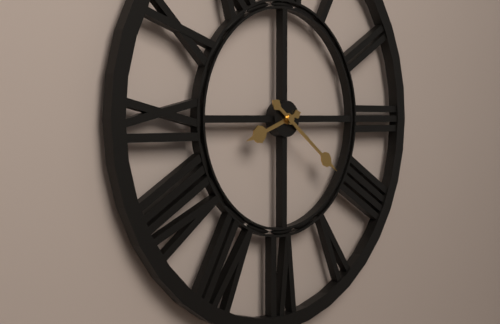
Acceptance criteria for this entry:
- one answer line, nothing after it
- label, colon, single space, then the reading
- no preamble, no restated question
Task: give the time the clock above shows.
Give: 8:21
